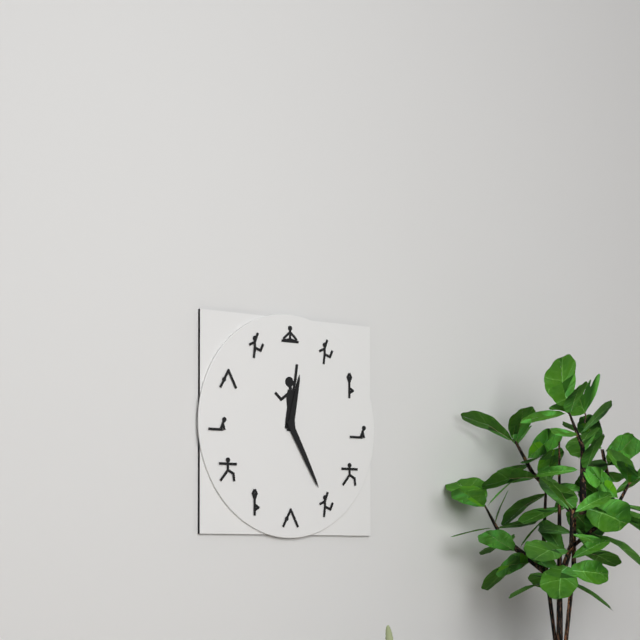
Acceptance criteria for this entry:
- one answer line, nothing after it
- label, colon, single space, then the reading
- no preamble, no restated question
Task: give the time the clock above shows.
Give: 12:25
